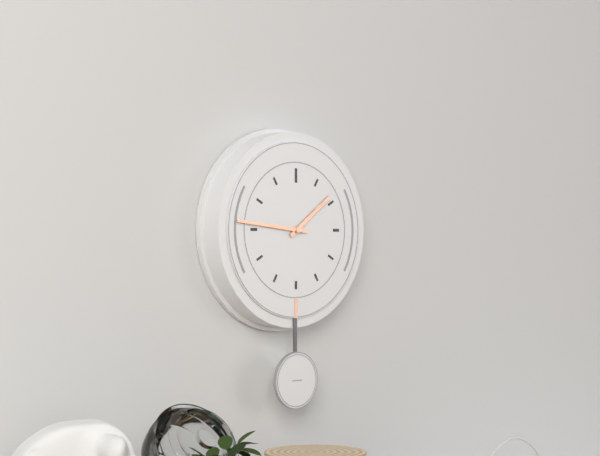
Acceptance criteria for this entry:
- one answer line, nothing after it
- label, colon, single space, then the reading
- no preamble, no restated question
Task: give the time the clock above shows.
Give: 1:46
